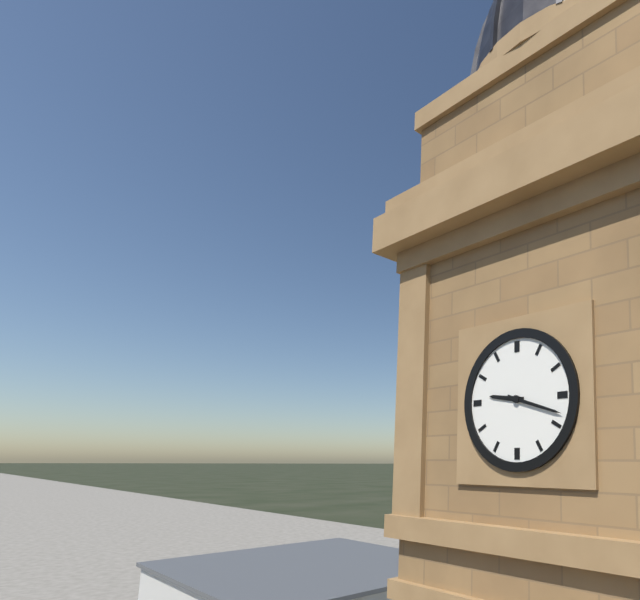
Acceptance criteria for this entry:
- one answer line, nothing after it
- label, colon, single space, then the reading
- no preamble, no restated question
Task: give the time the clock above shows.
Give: 9:18
